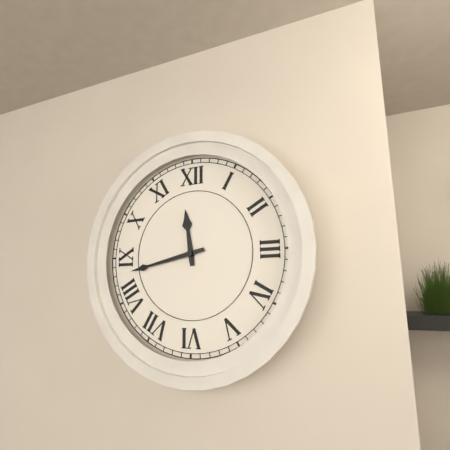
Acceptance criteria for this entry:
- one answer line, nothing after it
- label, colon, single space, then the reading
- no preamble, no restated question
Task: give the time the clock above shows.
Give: 11:43
